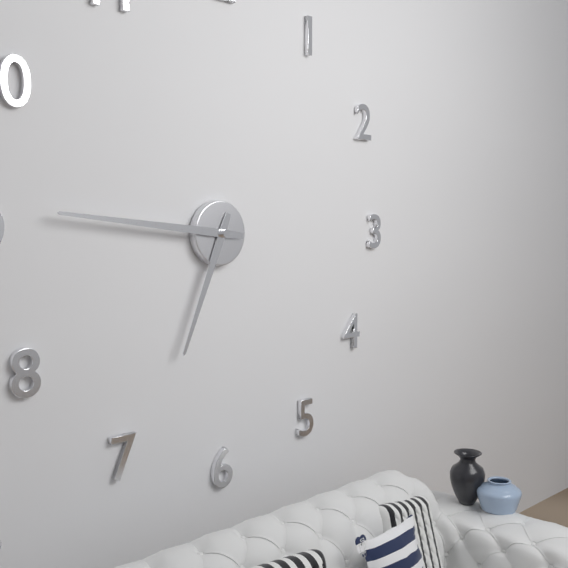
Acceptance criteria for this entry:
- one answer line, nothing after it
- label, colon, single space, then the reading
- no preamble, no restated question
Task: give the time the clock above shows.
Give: 6:46
